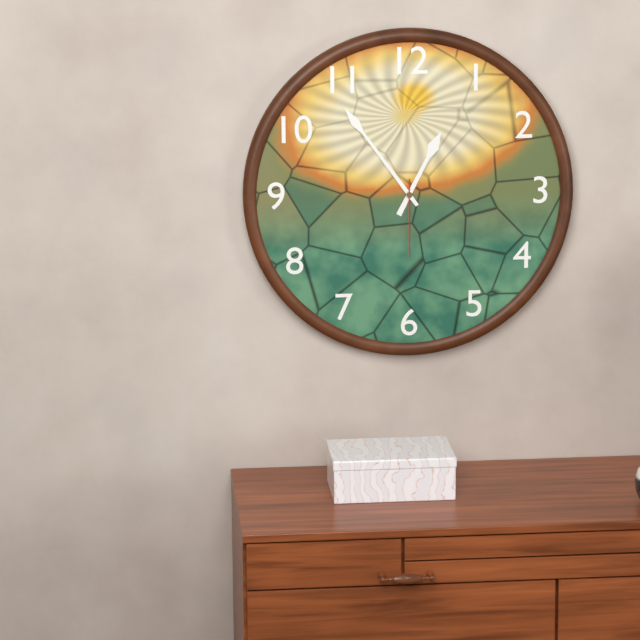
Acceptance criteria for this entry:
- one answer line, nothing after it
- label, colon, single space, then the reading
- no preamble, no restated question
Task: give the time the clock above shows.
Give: 12:54:30
